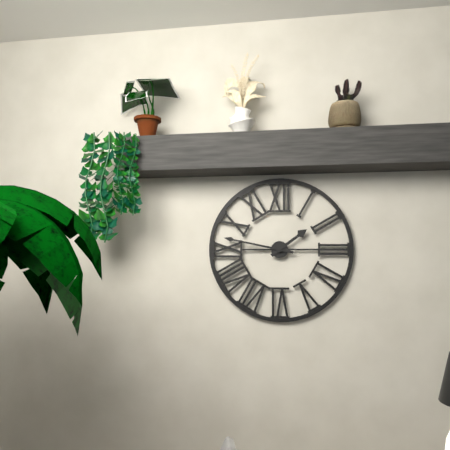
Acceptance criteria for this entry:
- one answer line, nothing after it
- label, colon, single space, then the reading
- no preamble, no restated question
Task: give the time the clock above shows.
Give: 1:47
